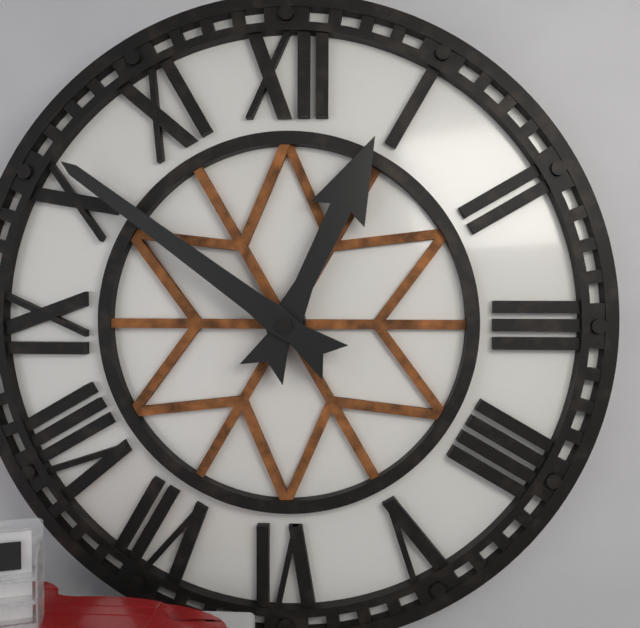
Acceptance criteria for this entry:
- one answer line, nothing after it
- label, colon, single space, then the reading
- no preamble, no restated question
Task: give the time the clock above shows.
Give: 12:51
